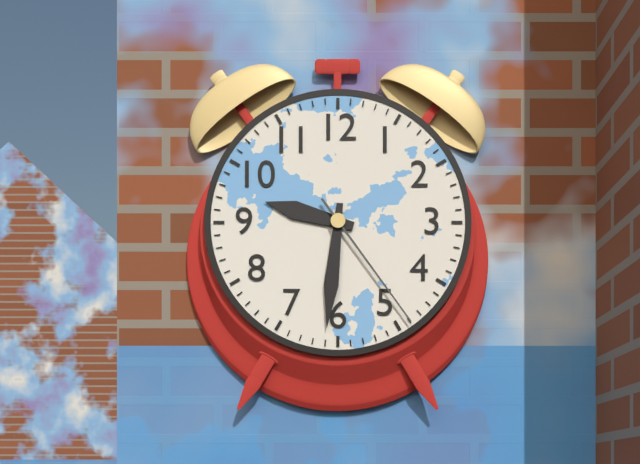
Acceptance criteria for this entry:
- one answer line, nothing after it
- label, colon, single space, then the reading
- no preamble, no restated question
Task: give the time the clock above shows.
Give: 9:31:24
